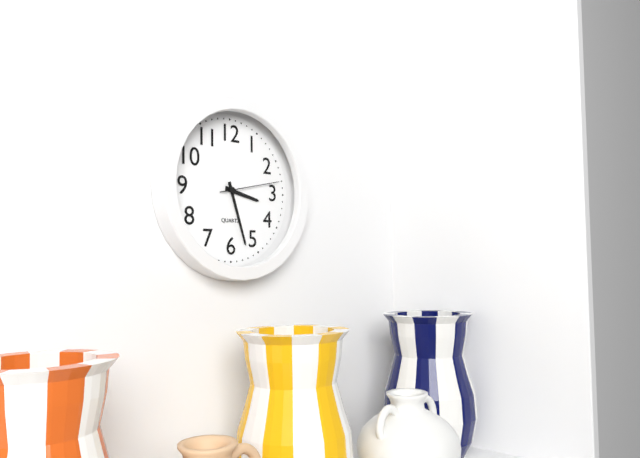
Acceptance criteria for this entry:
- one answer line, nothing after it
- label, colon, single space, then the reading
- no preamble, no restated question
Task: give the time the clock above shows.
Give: 3:27:13
